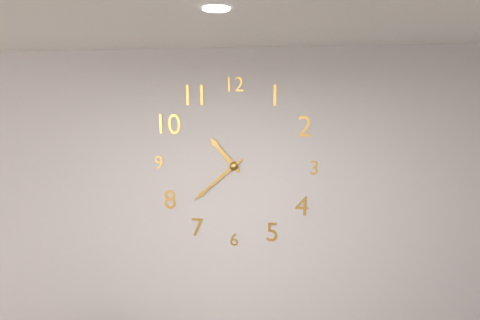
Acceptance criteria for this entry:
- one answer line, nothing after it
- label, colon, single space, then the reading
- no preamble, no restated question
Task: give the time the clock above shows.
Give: 10:38
